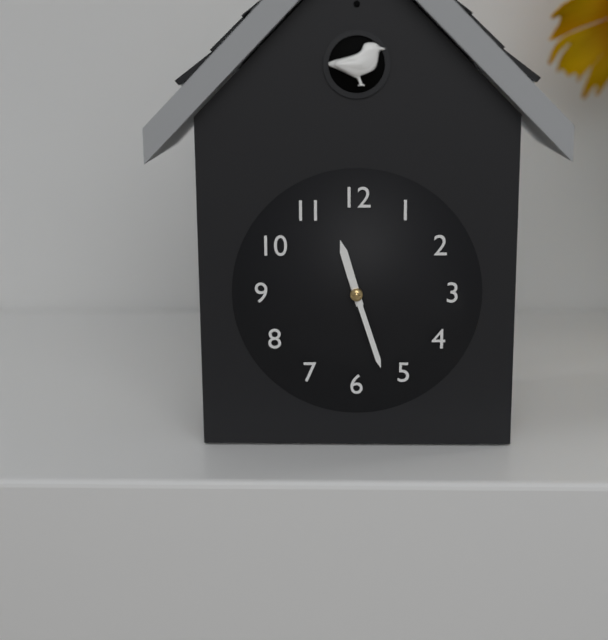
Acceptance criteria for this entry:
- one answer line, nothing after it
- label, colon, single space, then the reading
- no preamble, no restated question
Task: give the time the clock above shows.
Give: 11:27
